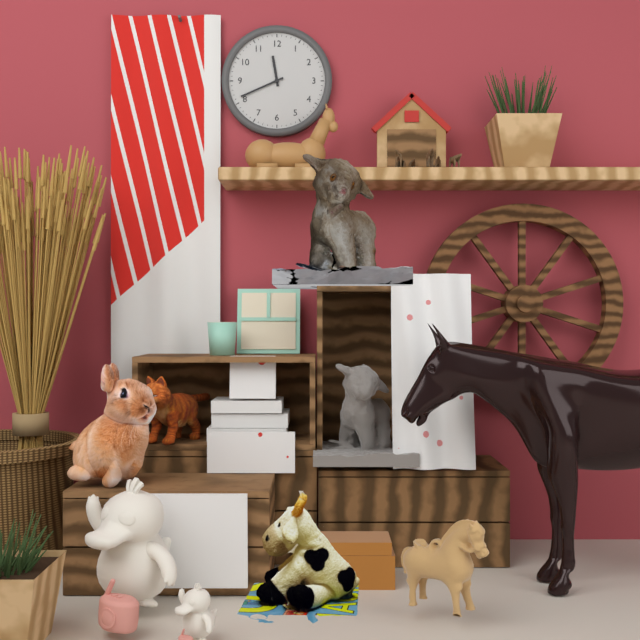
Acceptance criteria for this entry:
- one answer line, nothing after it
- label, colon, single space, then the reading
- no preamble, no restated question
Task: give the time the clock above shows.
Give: 11:41
